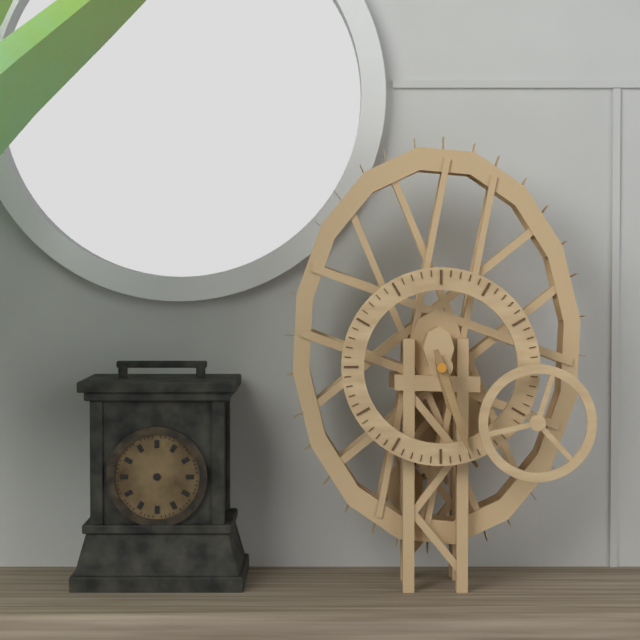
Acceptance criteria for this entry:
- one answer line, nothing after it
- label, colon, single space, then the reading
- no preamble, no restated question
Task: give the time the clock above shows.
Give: 5:27
